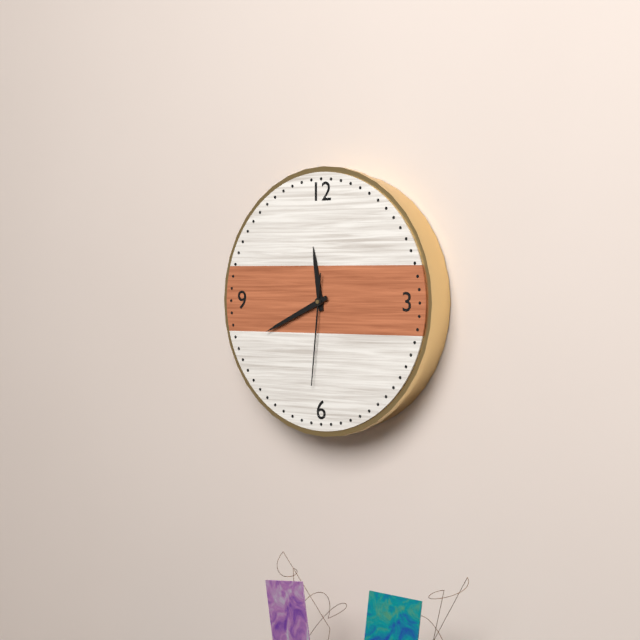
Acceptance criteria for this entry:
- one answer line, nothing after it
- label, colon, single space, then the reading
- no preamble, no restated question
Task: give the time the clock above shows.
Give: 11:41:31
